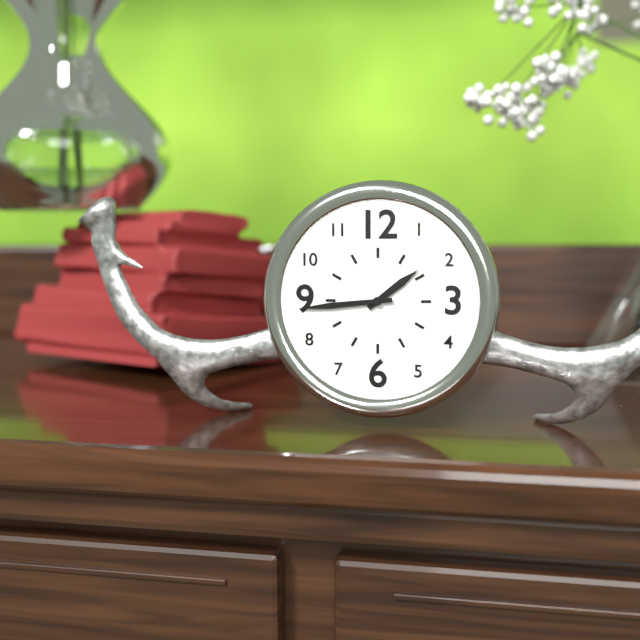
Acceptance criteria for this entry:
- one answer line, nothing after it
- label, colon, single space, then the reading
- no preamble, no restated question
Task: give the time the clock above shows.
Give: 1:44
